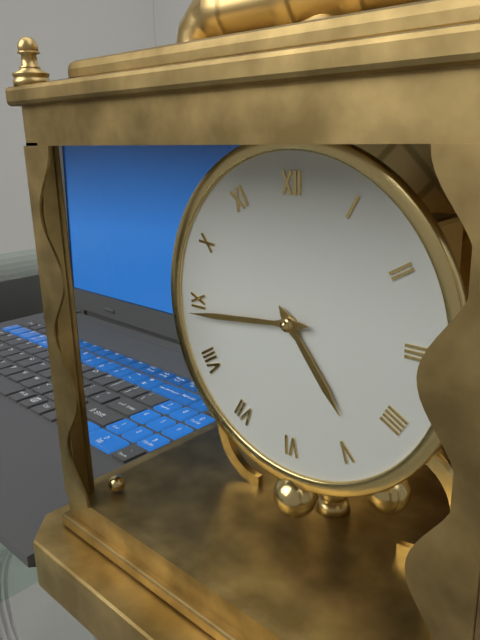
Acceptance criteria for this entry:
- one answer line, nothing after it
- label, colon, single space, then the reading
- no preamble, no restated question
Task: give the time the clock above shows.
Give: 4:44
